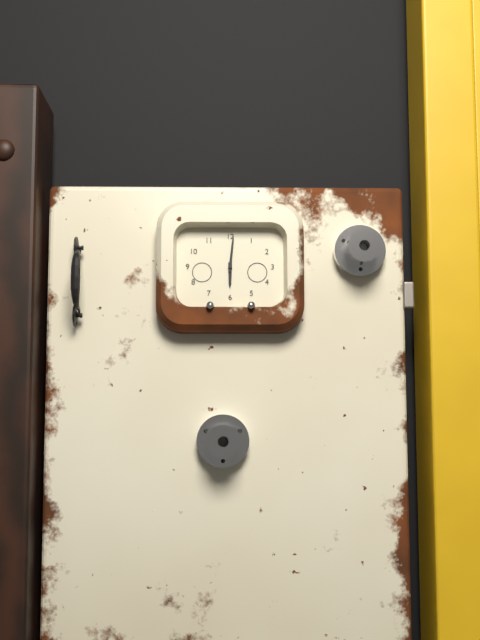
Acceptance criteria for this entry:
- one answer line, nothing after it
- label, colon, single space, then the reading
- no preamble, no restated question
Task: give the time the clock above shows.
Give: 6:01
